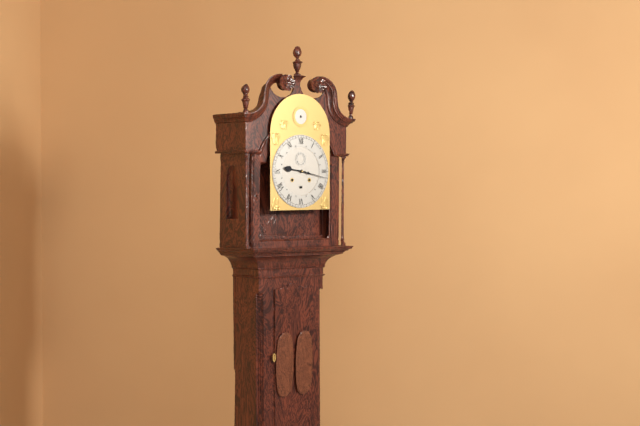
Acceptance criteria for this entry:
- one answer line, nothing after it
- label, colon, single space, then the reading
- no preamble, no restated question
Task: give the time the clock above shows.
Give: 9:17
